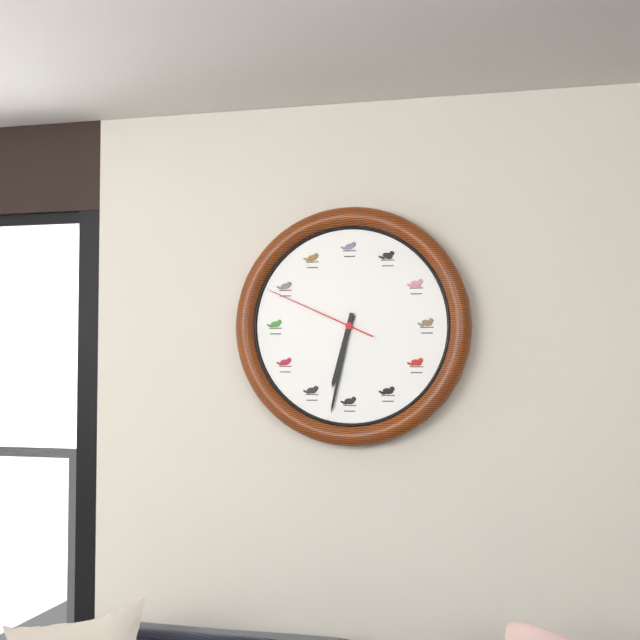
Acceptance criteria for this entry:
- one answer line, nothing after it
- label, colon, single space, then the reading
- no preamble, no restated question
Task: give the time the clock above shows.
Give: 6:32:49
